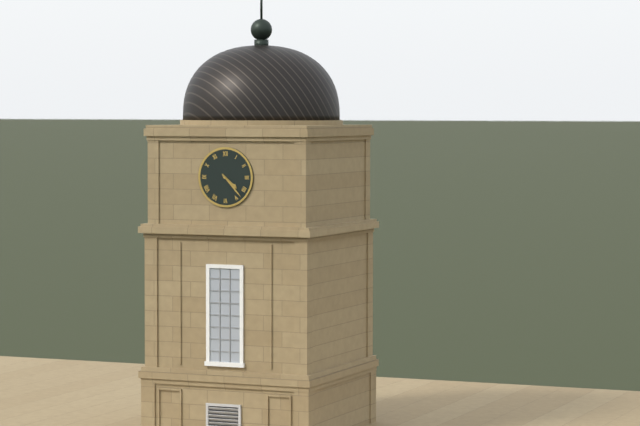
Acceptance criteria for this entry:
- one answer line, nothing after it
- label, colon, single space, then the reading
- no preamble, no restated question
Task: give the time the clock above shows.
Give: 4:23
